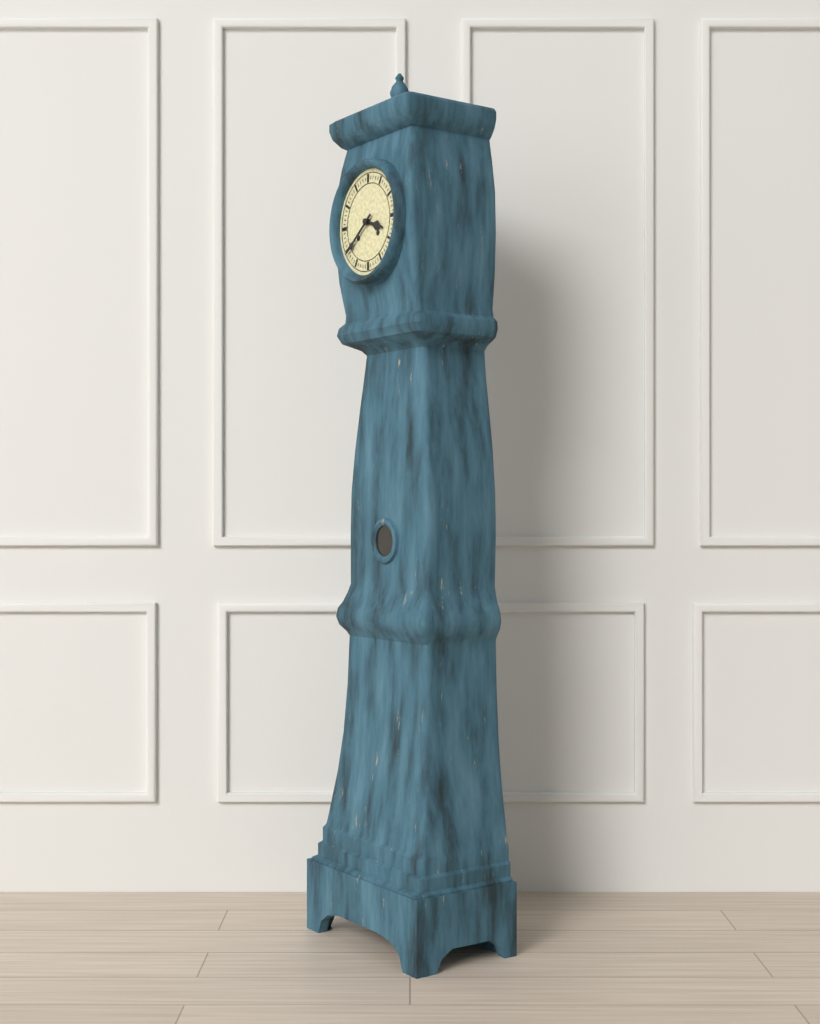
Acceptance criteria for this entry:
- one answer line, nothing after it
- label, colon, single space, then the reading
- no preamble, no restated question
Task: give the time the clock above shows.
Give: 3:39
